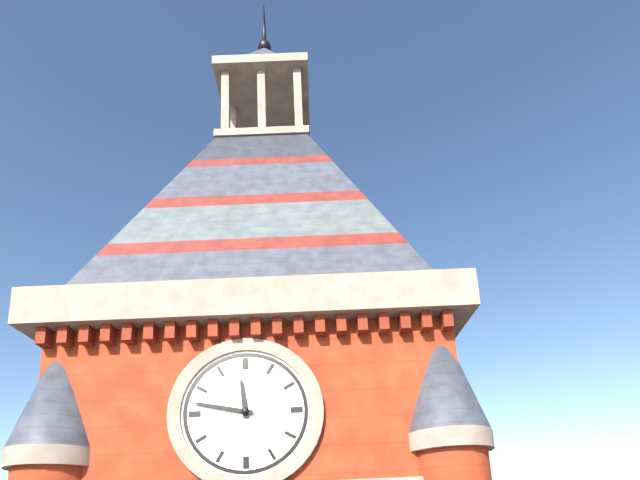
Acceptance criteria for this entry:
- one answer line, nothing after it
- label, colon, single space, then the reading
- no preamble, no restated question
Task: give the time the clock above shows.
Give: 11:47
